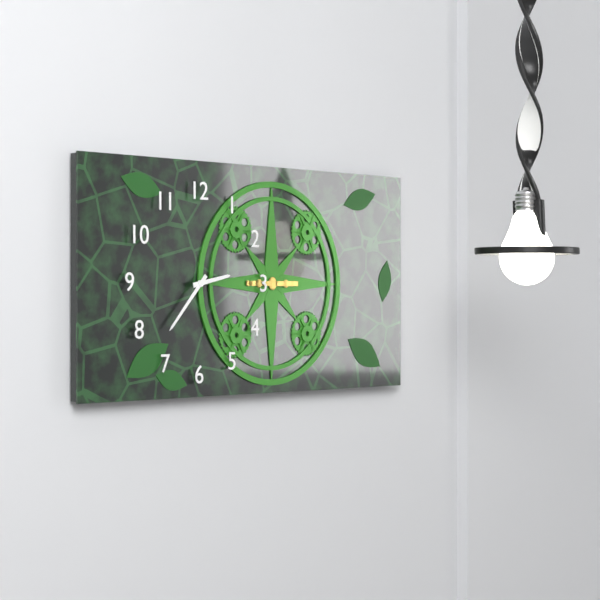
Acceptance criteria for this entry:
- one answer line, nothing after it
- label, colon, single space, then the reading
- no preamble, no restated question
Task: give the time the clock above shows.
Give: 2:37
